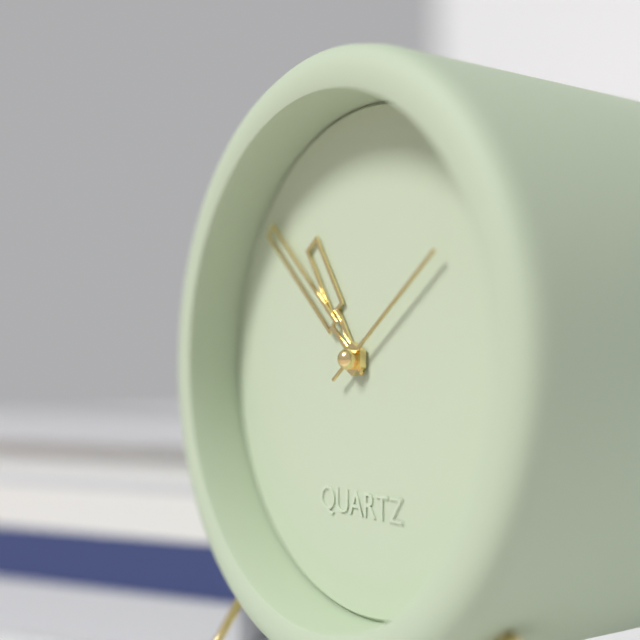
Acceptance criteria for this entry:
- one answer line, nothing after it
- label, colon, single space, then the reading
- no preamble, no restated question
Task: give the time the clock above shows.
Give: 10:52:09
